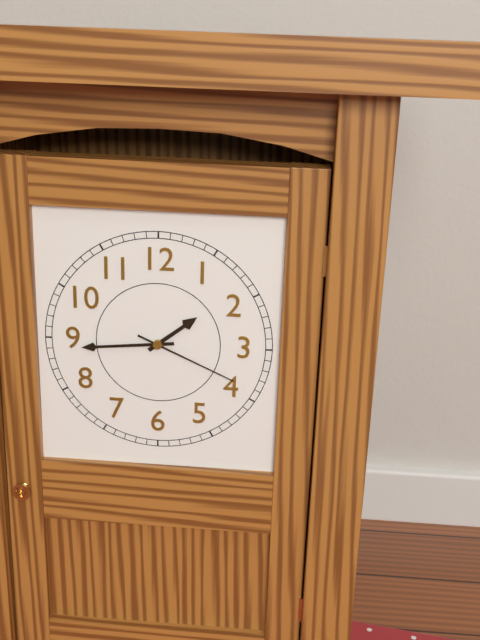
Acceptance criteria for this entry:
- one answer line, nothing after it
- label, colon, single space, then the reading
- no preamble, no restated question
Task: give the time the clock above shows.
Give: 1:44:19
